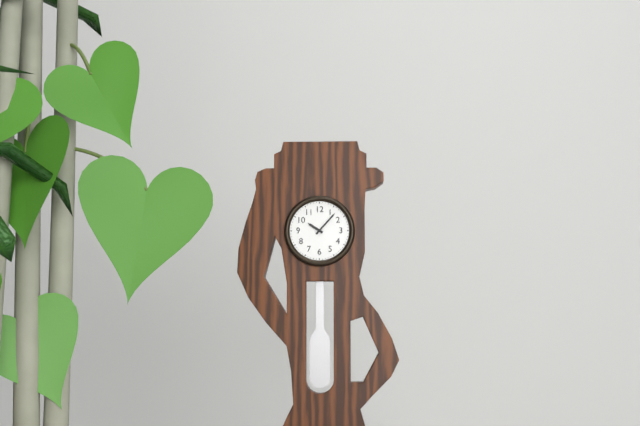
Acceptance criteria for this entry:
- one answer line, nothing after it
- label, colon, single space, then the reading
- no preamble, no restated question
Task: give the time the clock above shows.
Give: 10:07
